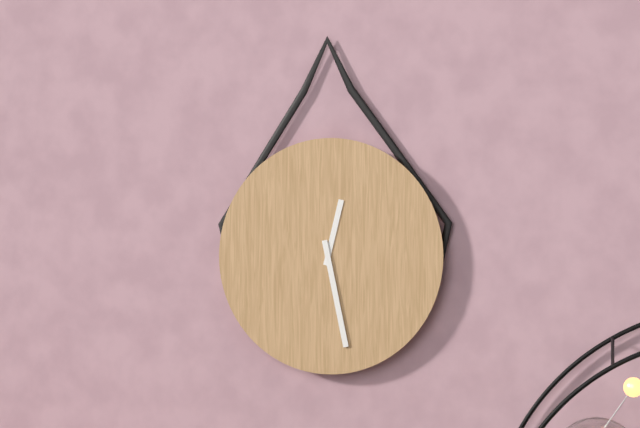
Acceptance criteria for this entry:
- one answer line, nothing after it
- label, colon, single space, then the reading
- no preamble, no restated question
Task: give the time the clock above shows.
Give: 12:28
